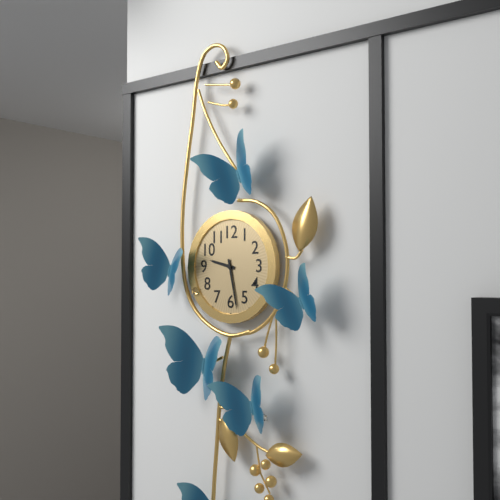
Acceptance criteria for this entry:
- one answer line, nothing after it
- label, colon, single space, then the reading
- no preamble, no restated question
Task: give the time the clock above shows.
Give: 9:28
